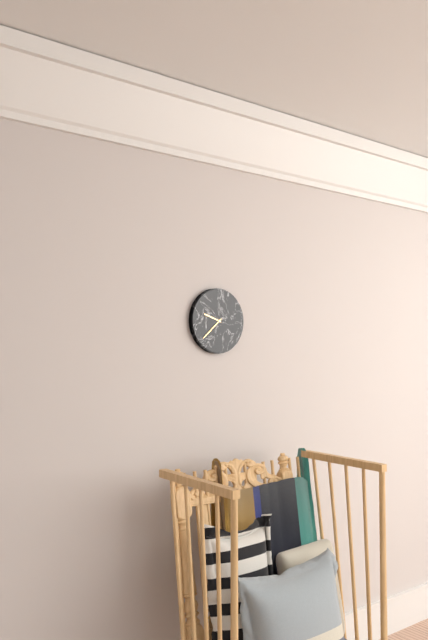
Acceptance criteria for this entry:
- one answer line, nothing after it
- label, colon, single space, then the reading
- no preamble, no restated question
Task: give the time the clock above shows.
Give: 9:38
